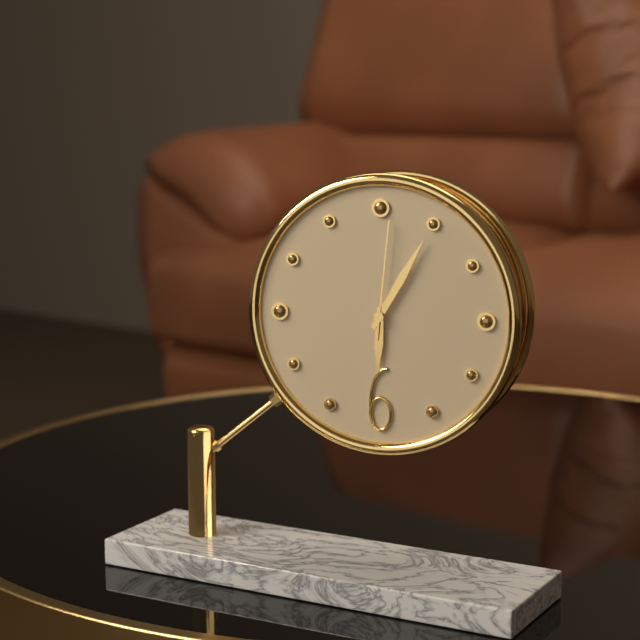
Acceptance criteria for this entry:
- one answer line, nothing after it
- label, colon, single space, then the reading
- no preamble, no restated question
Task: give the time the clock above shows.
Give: 6:05:01
